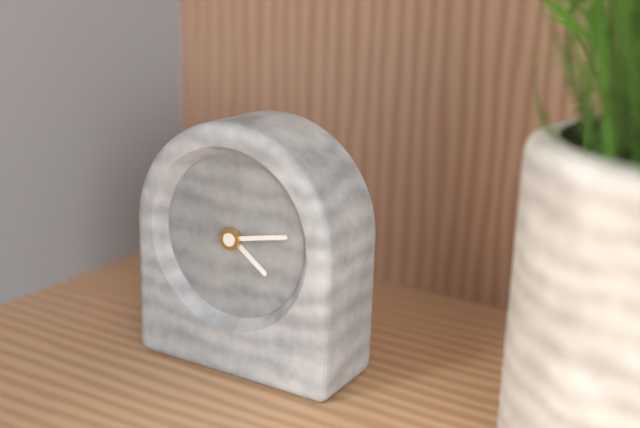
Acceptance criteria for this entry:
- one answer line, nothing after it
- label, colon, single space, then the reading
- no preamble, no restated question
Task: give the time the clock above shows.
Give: 4:13
